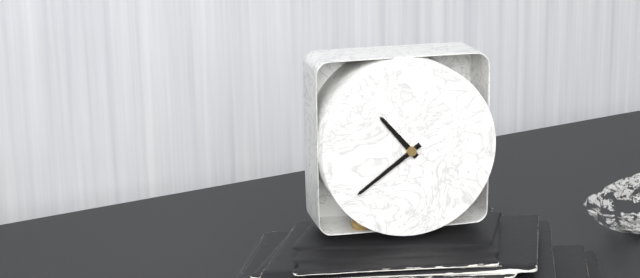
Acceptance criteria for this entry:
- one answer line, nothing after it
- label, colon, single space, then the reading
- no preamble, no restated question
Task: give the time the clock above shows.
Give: 10:39
